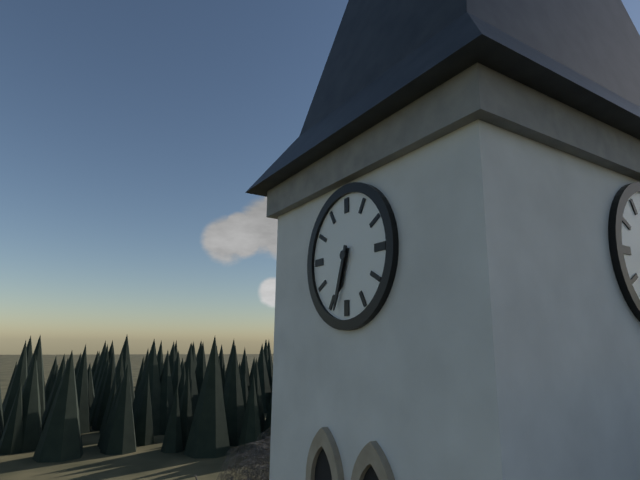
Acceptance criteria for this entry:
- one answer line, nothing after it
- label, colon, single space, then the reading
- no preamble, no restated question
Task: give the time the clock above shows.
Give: 6:33
